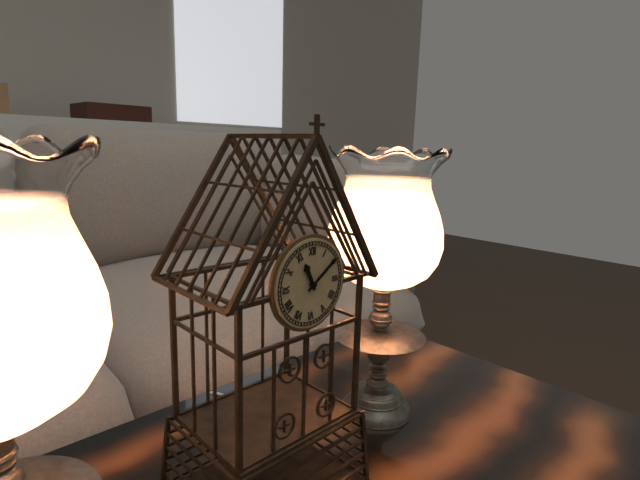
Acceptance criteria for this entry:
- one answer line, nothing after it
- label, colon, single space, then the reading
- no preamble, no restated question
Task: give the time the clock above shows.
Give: 11:09
